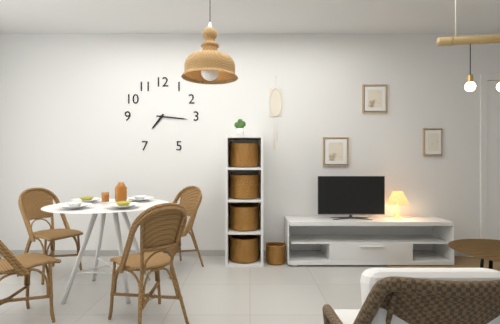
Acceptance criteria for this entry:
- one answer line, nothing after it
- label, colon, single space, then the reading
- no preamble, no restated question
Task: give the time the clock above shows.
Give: 7:16
